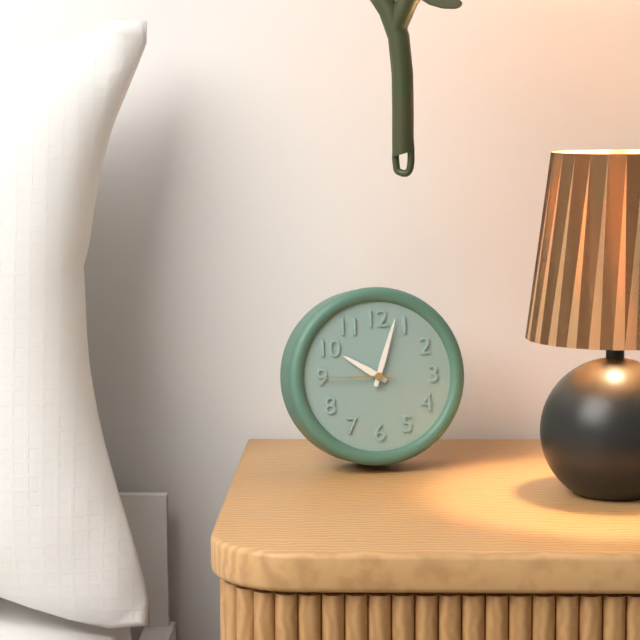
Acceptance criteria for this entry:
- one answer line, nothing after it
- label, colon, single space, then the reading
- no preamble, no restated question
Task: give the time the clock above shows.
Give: 10:03:45
